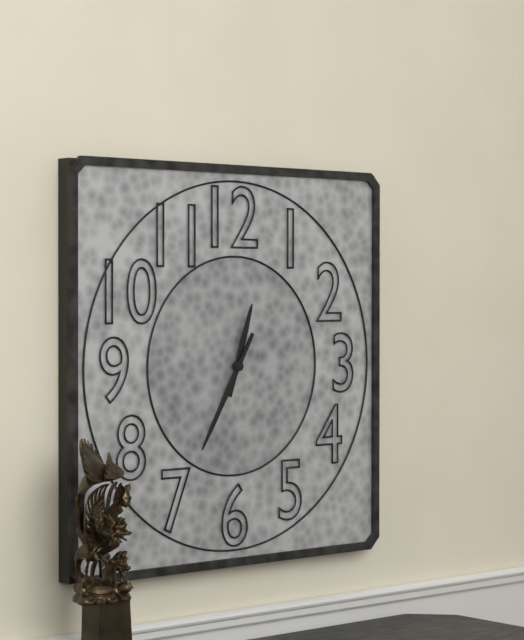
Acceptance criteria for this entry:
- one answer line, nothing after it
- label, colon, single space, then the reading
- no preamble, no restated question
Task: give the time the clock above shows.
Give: 12:35
